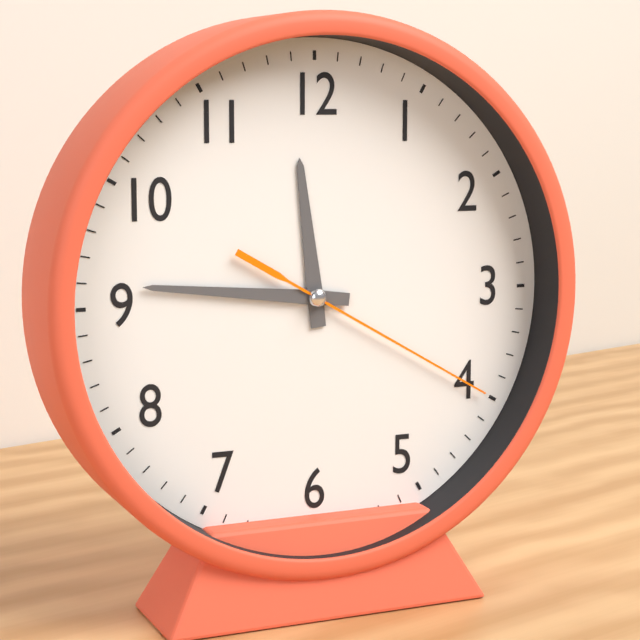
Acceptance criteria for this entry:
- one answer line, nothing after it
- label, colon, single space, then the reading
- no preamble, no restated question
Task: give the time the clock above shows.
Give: 11:46:20
